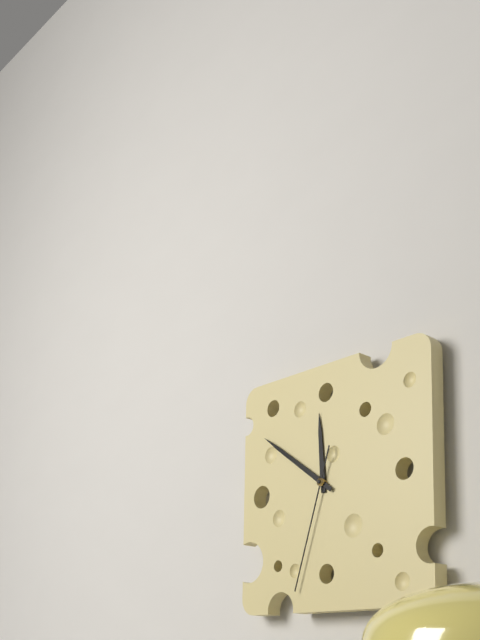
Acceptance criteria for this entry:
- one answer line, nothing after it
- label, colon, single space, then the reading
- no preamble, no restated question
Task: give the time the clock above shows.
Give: 11:51:33
